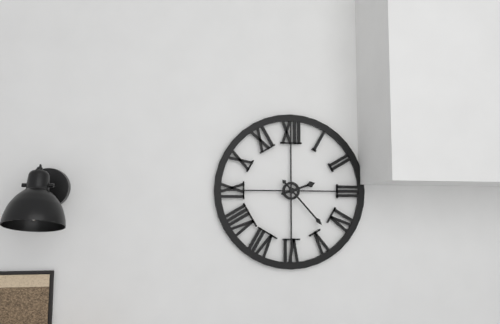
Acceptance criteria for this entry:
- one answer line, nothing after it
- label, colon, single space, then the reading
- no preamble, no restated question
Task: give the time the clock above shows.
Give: 2:23
